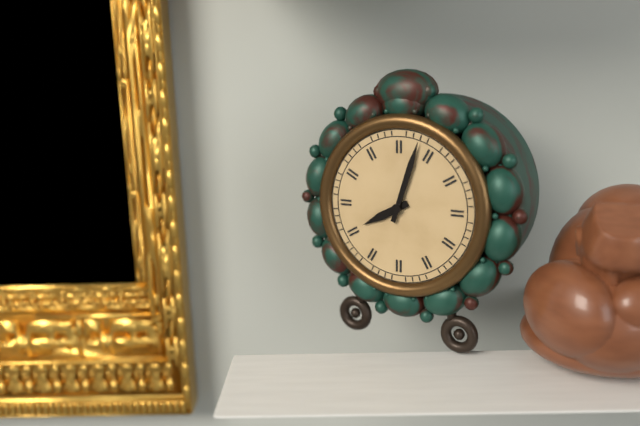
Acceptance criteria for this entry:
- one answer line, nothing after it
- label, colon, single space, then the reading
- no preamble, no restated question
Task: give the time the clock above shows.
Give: 8:03
